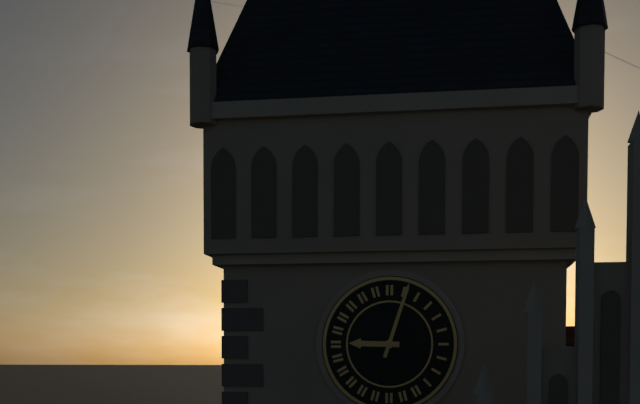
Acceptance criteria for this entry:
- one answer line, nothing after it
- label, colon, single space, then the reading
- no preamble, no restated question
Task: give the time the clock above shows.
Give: 9:03
